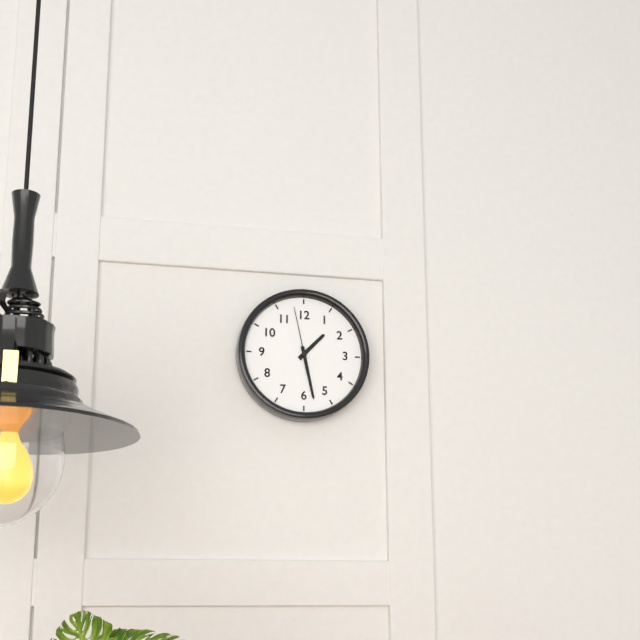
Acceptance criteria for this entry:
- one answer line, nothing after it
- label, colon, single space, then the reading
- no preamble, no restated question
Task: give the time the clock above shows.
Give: 1:28:58
